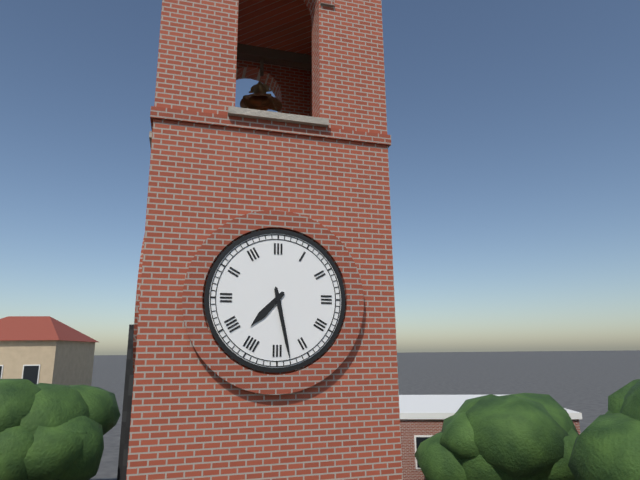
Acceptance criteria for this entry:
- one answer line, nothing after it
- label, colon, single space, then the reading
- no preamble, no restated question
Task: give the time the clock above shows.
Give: 7:28
